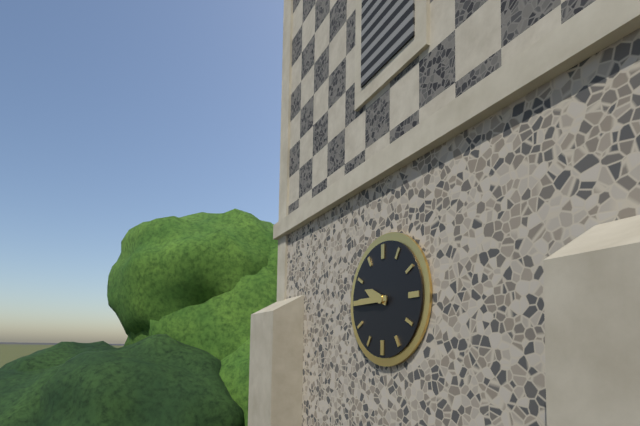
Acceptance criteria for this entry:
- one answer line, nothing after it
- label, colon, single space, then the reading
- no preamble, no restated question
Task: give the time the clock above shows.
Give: 9:45
